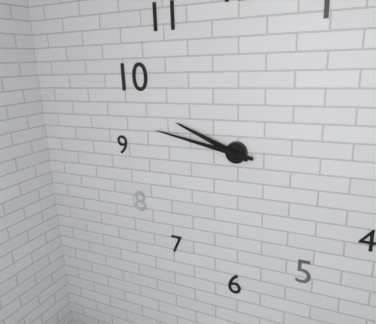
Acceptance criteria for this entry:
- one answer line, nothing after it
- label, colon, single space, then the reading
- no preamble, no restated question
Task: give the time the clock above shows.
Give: 9:47
